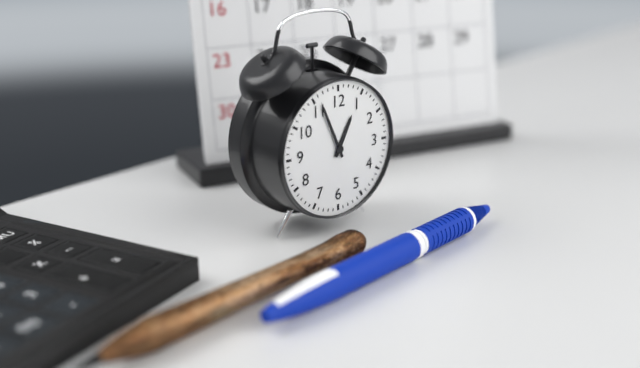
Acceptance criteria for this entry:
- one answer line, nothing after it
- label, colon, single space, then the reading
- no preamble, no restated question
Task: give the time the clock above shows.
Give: 12:56
